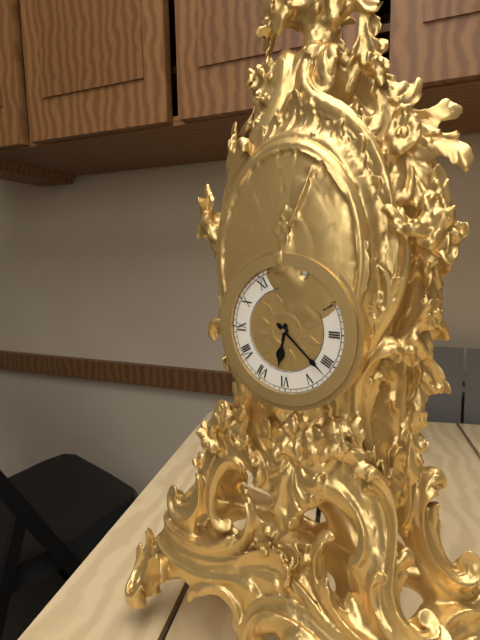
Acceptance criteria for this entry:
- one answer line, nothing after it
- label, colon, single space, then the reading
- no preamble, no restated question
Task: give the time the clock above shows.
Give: 6:22
